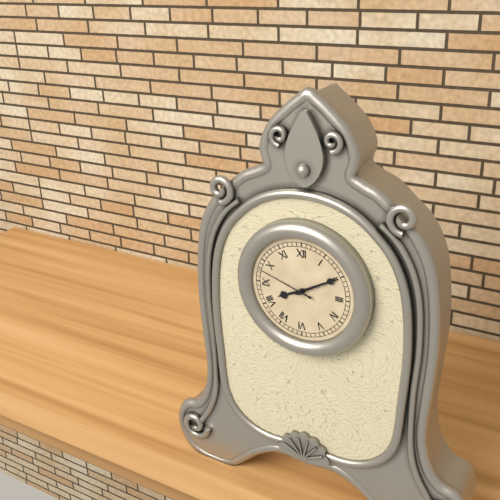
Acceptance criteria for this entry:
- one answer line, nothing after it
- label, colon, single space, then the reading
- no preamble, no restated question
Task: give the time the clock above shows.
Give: 8:10:48
